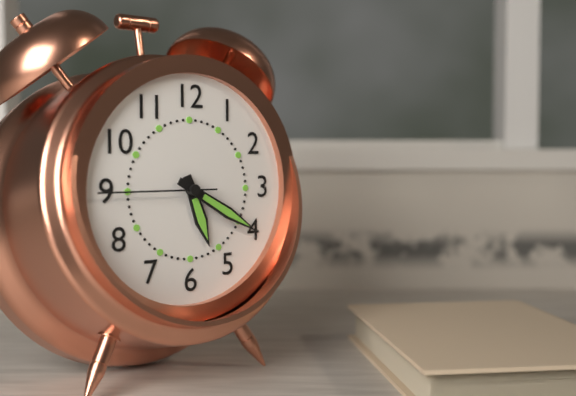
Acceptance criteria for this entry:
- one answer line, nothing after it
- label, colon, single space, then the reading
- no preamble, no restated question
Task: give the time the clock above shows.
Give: 5:20:45
